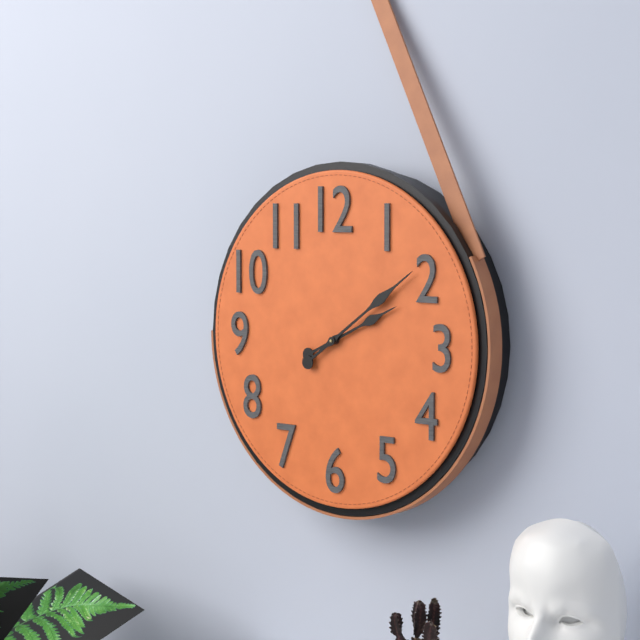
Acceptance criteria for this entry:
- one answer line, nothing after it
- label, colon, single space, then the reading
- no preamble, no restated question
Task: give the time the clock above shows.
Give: 2:09
